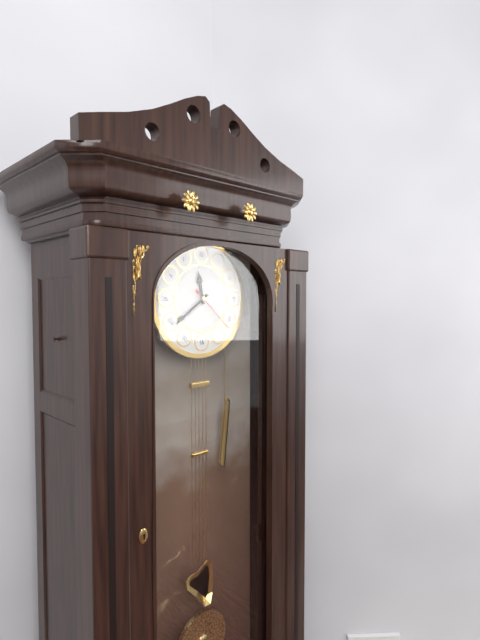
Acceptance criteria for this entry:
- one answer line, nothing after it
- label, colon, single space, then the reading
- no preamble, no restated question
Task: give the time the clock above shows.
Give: 11:39
